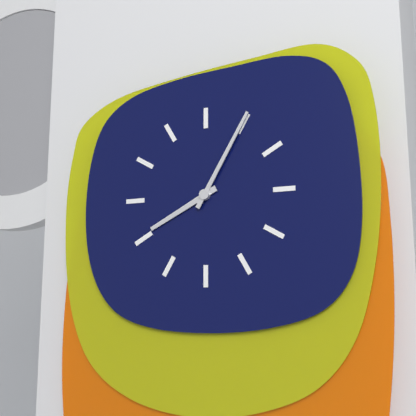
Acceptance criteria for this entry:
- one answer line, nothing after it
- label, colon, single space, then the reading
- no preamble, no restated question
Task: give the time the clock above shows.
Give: 8:05
